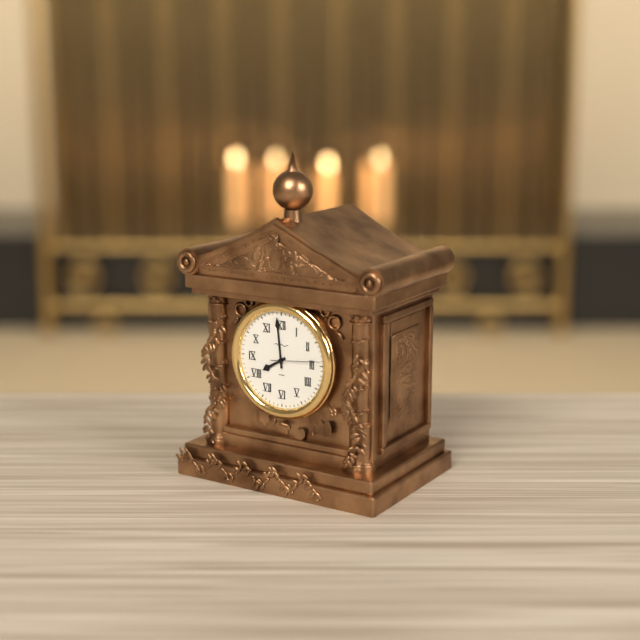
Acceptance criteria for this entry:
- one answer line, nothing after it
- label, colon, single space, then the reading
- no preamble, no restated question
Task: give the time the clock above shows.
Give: 7:59
